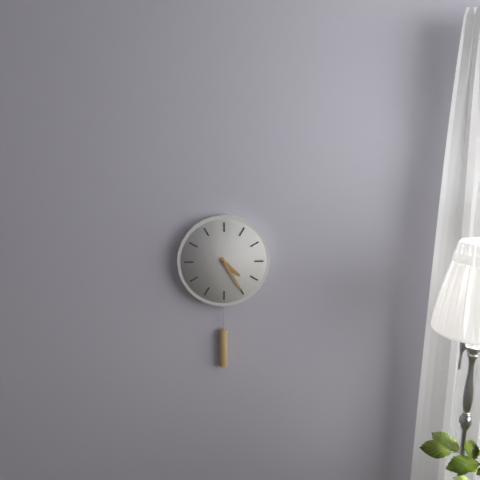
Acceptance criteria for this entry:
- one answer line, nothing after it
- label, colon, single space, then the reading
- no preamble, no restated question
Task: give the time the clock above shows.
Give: 4:25
